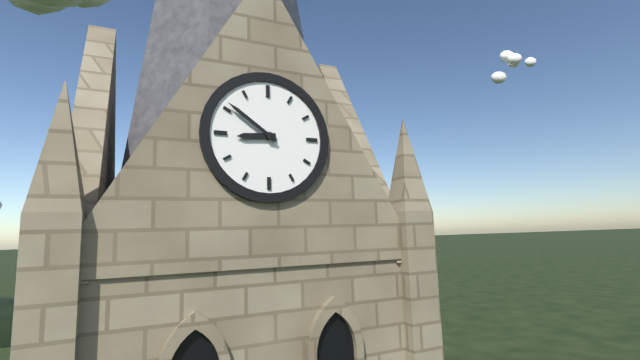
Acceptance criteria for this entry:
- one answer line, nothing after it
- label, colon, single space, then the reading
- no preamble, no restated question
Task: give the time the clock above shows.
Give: 8:51
